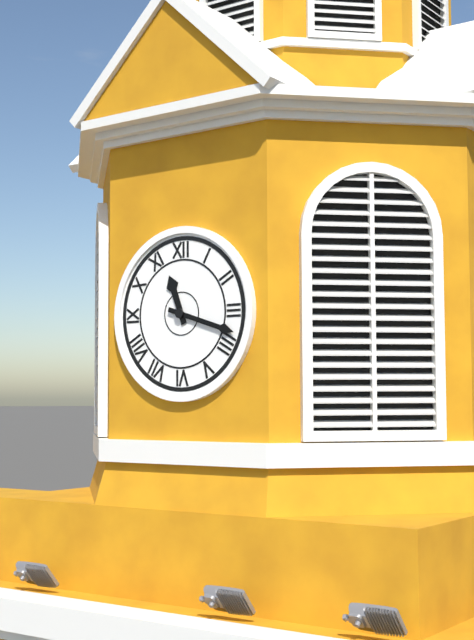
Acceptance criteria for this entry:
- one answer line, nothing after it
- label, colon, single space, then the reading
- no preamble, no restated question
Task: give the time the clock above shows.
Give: 11:18
